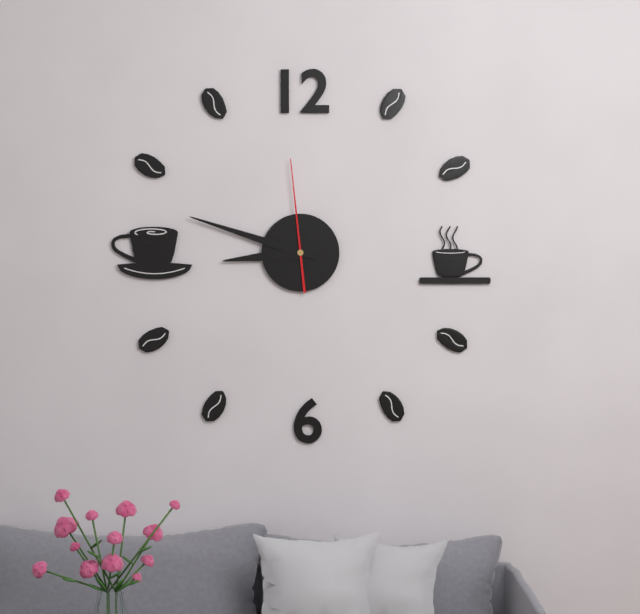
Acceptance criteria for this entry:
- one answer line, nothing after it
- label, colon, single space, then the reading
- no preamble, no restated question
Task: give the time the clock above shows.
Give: 8:48:59
